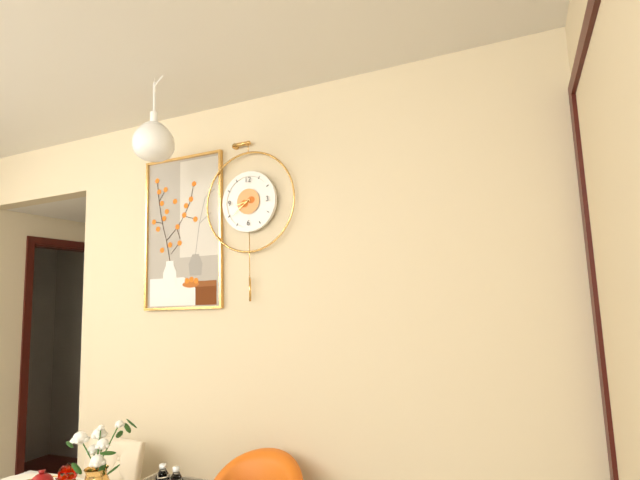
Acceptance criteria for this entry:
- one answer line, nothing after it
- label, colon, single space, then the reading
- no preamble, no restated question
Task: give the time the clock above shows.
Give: 8:39
